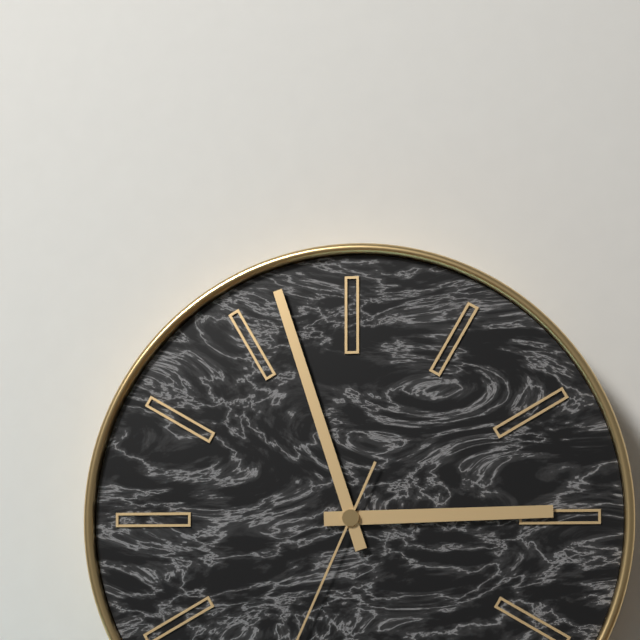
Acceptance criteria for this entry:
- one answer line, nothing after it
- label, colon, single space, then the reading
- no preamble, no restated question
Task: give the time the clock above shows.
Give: 2:57
